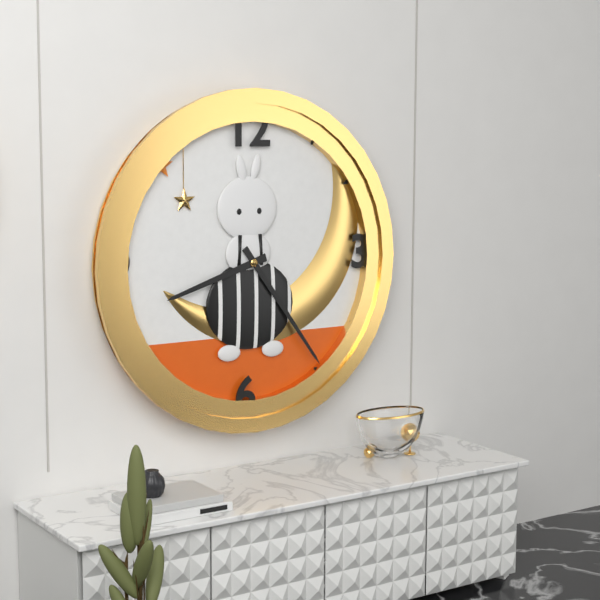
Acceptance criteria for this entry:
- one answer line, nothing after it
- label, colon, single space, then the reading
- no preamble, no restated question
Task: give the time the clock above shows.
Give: 8:24
